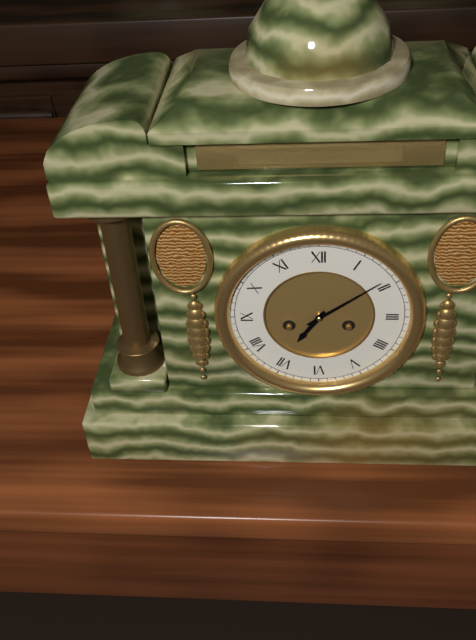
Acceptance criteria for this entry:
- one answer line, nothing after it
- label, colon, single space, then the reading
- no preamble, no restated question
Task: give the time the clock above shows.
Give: 7:09
